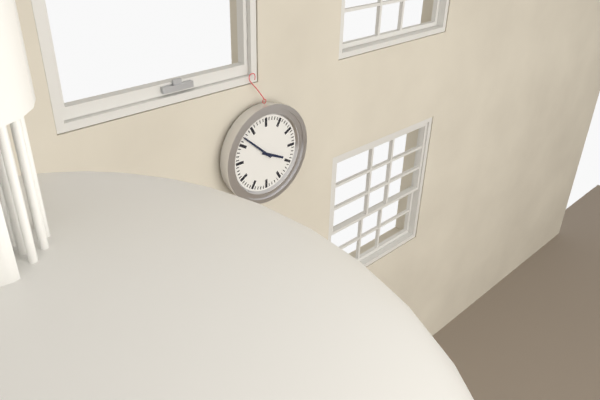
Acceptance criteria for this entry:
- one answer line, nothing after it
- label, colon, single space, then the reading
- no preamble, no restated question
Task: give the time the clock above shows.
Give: 3:52
